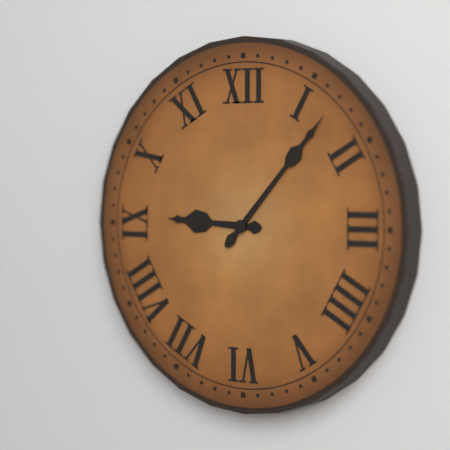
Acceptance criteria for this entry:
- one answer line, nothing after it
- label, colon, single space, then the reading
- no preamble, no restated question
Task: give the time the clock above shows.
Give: 9:07
